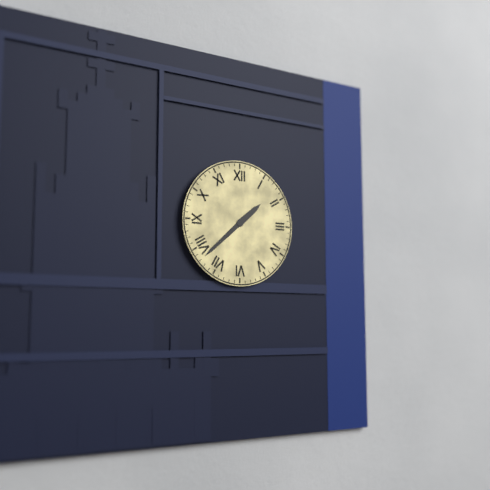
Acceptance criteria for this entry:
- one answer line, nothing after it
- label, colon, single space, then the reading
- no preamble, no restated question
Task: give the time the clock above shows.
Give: 1:38
